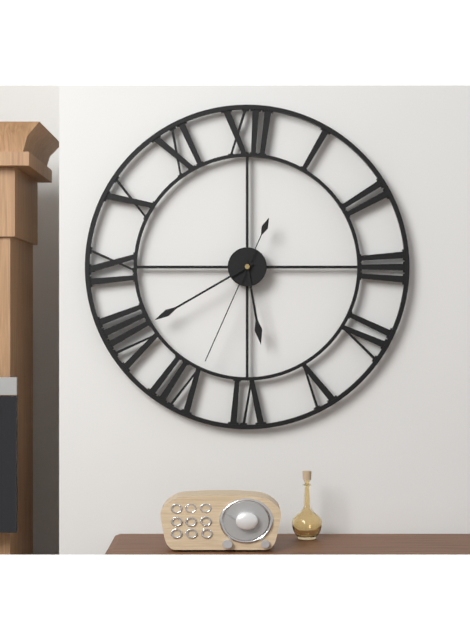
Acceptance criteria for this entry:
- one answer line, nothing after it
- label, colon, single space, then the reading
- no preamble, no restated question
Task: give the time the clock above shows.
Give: 5:40:34
